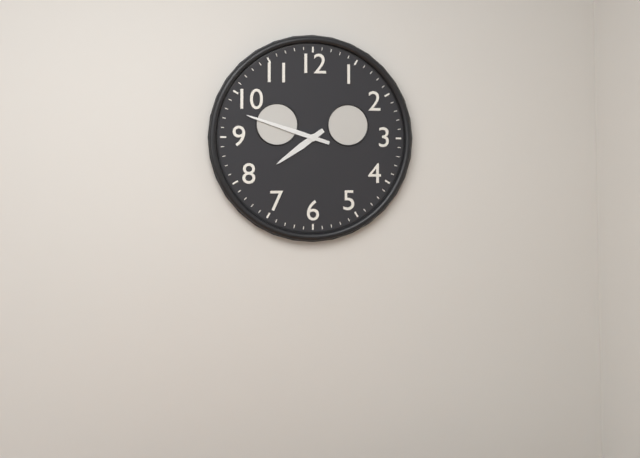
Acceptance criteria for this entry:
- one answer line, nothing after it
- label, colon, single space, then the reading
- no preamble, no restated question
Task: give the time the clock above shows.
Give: 7:48
